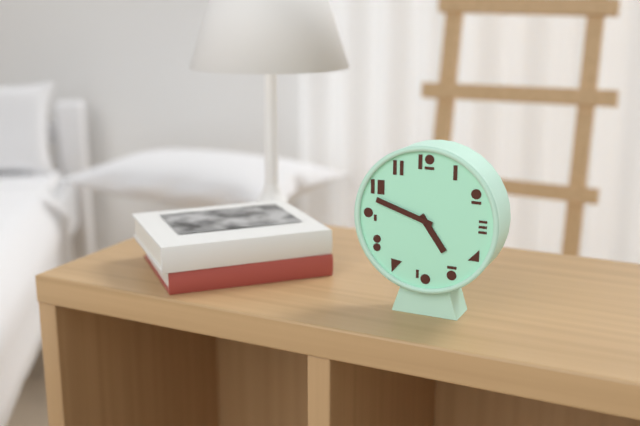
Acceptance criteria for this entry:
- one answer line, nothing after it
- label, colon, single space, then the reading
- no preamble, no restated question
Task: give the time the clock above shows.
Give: 4:48
